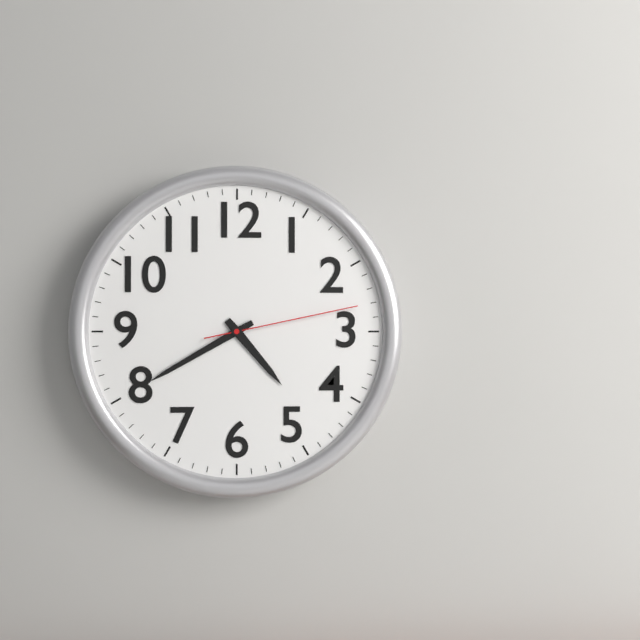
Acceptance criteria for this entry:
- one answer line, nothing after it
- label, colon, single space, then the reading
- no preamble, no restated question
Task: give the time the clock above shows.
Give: 4:40:13
